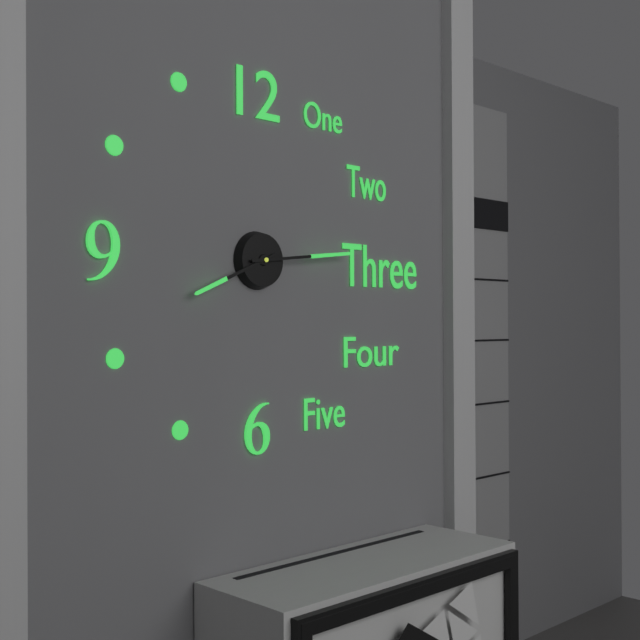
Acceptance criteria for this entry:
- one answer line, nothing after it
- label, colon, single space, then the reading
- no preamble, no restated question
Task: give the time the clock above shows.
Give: 8:14
